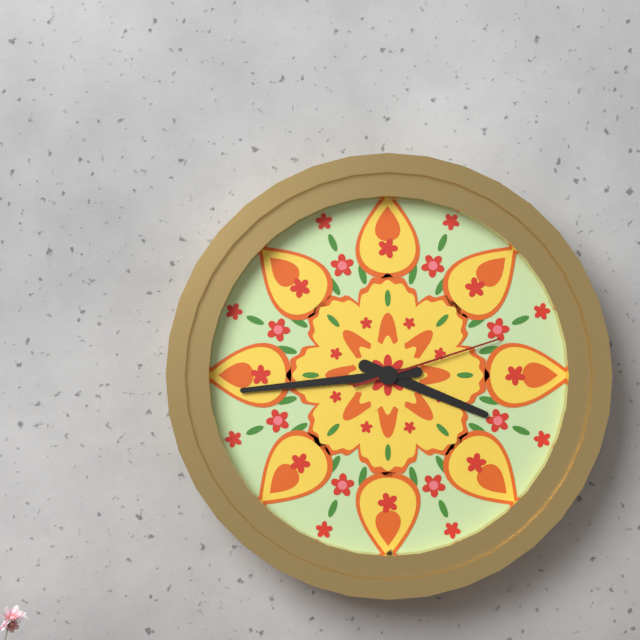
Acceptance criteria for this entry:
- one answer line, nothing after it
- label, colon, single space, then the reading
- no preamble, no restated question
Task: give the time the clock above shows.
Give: 3:44:12
